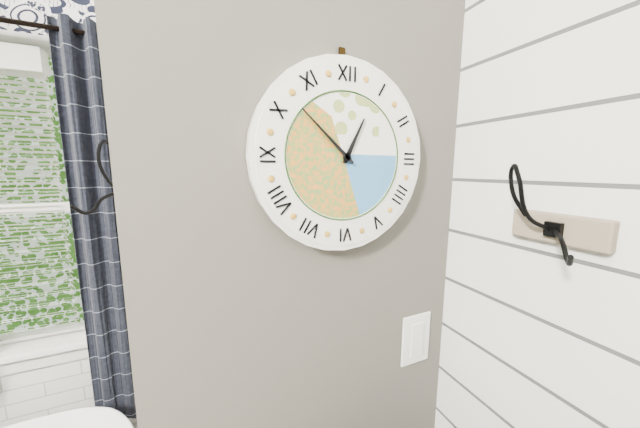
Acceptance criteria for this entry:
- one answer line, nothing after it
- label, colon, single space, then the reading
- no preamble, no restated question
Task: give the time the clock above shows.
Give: 12:52
